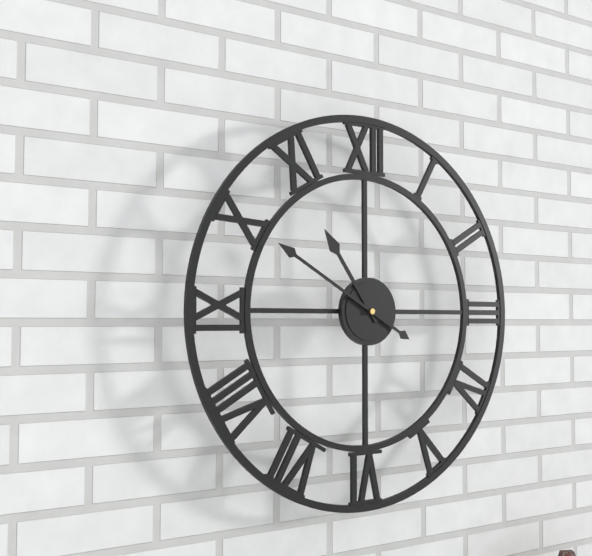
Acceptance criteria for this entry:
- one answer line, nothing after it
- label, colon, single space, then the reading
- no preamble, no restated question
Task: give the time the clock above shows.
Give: 10:50
